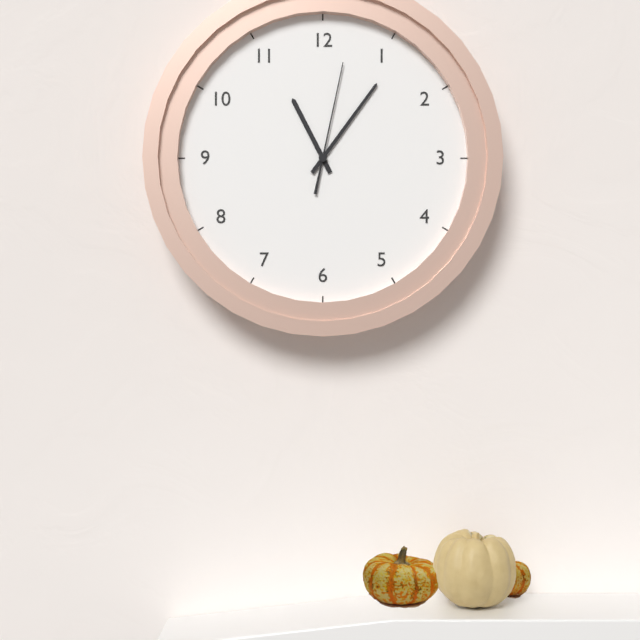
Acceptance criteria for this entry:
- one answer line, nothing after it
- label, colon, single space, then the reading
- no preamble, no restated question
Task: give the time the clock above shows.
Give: 11:06:02
